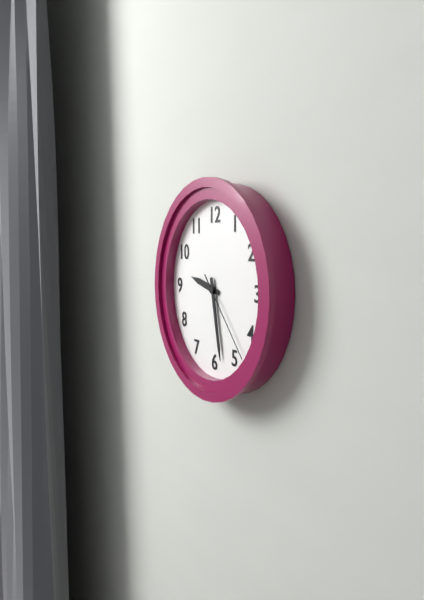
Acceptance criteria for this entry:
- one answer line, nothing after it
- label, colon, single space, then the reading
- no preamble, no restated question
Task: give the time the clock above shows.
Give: 9:28:23
